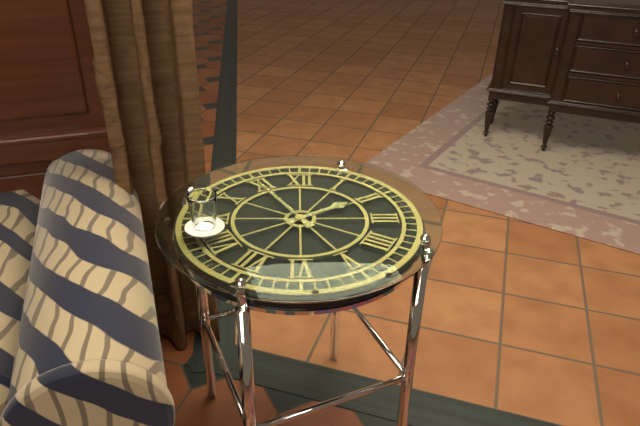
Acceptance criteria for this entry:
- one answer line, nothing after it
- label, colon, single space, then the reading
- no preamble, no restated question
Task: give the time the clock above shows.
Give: 1:55
